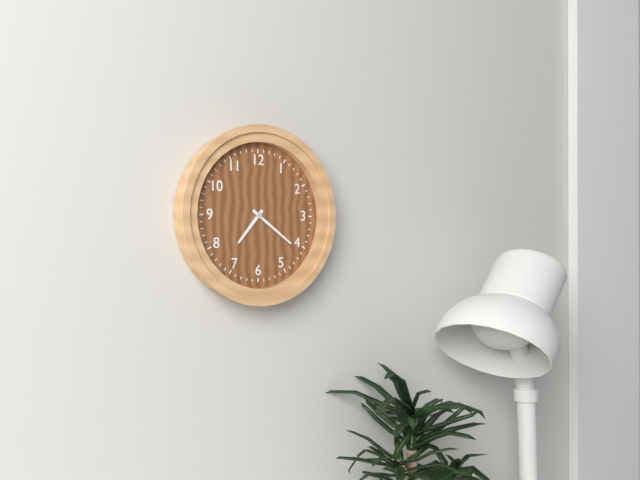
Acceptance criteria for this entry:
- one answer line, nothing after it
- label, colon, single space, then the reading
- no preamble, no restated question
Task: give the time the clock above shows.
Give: 7:21
